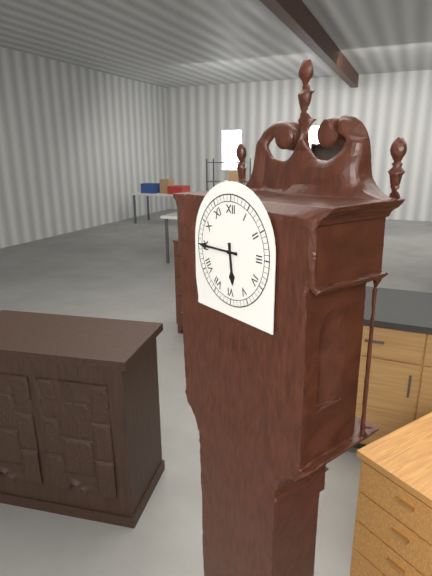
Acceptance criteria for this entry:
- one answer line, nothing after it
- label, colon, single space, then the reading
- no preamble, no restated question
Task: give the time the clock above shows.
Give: 5:45
